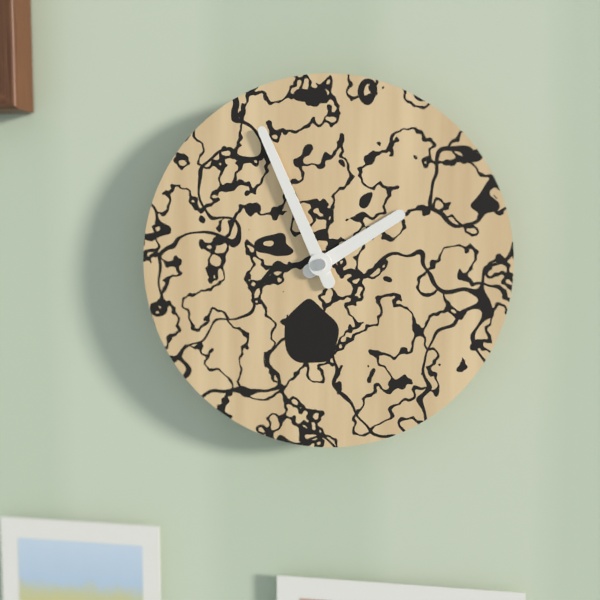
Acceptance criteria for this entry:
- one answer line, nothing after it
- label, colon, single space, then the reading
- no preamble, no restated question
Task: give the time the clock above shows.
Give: 1:56
